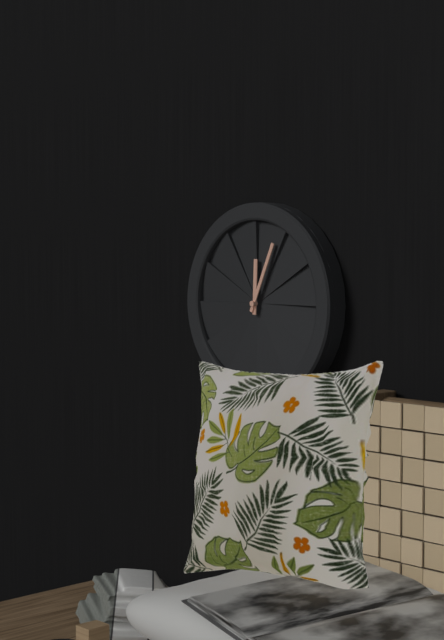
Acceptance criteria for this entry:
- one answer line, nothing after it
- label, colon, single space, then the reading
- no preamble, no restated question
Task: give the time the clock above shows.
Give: 12:04
